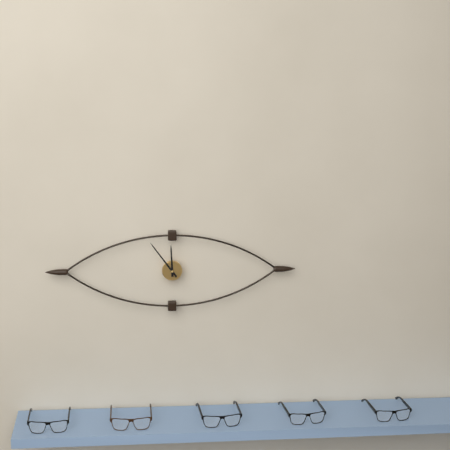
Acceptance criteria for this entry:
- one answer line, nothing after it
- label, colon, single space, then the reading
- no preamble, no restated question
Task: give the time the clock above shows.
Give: 11:54
